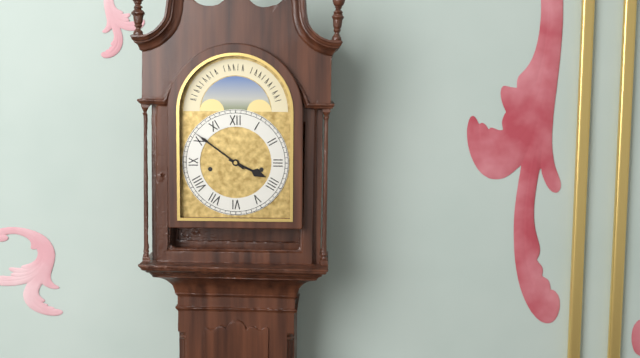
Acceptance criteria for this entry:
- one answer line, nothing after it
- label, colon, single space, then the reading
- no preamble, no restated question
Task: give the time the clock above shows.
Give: 3:51
